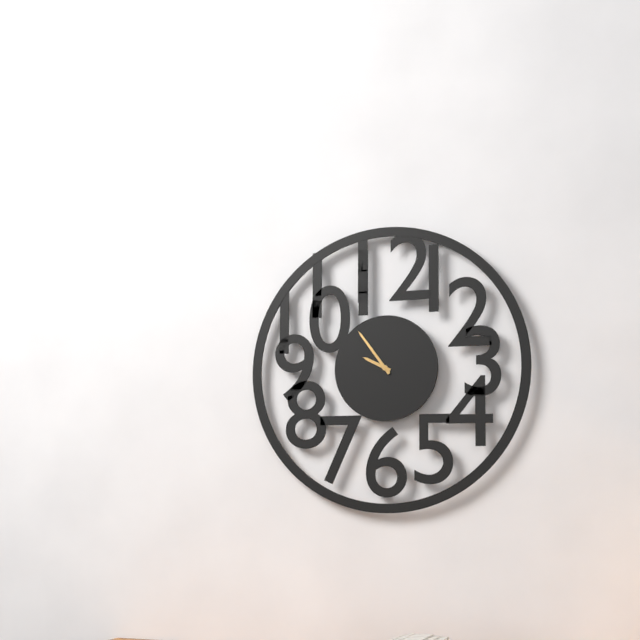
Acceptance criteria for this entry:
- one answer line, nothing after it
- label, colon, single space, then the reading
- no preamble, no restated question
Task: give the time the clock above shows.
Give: 9:54
